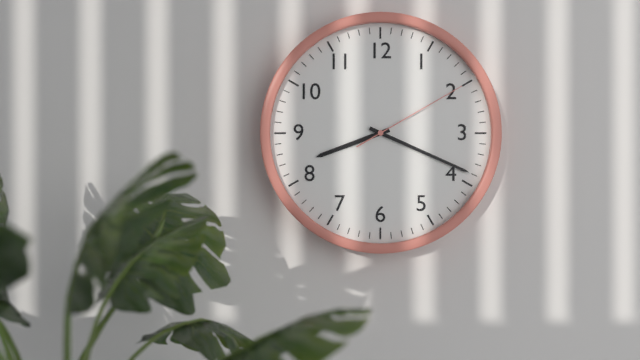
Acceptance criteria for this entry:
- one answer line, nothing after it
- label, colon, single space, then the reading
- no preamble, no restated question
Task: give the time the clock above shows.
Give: 8:19:10
